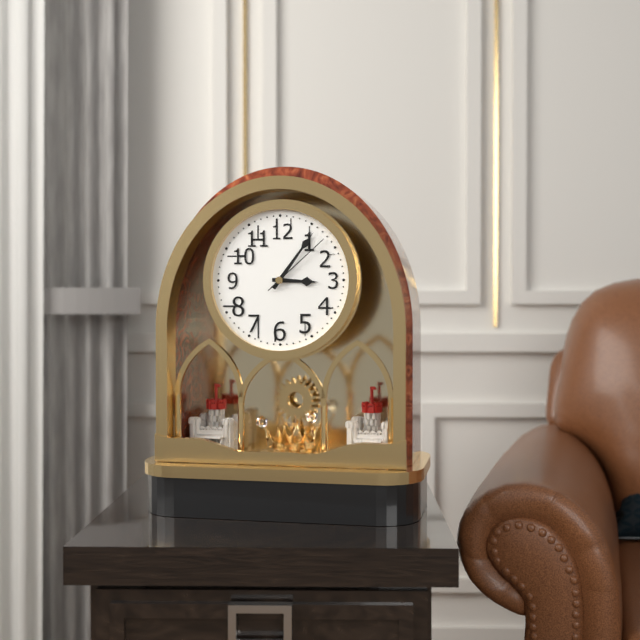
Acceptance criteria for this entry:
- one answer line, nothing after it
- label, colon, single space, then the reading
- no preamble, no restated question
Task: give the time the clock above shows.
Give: 3:06:08
